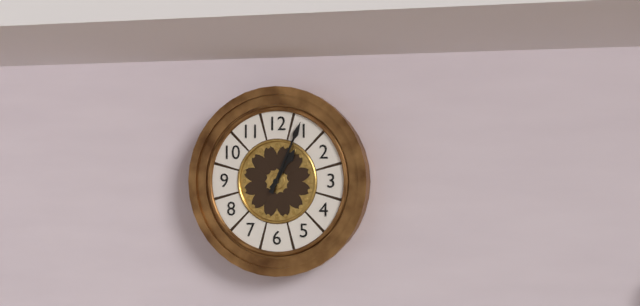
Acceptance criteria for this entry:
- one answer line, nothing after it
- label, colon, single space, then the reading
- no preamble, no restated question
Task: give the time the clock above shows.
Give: 1:04
